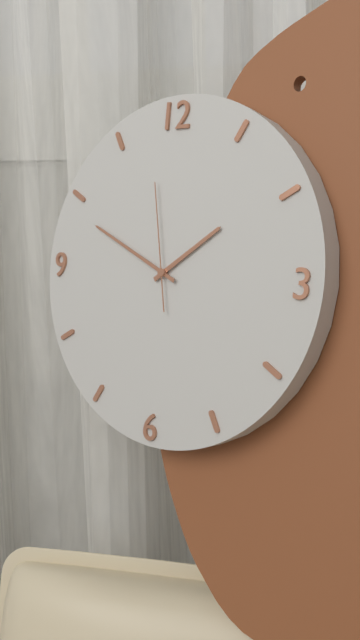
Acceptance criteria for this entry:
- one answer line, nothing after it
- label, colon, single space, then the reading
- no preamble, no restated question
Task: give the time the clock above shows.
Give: 1:49:58
